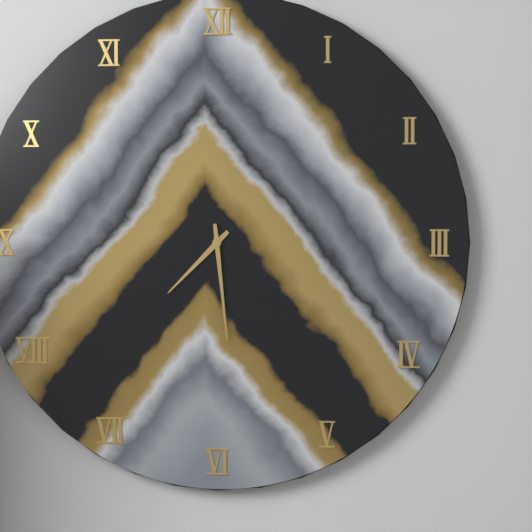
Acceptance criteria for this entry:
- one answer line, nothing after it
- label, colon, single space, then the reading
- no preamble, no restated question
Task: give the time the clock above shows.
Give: 7:29
